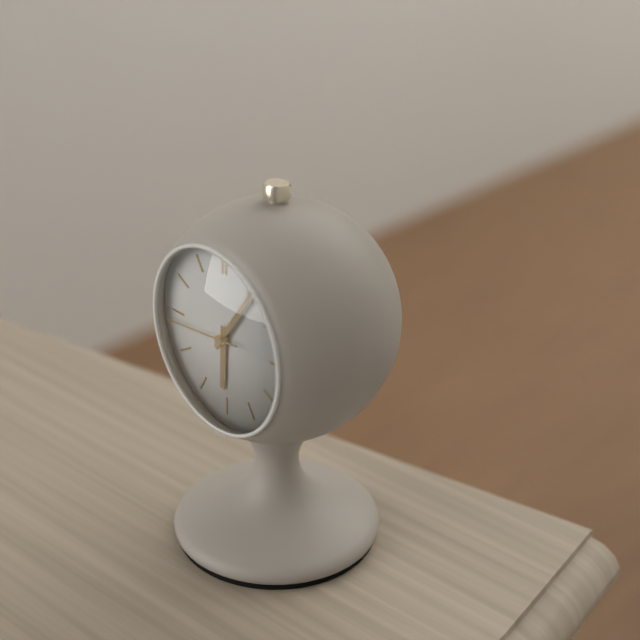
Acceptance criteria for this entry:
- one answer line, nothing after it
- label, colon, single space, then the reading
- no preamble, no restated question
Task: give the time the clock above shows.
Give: 6:06:44
